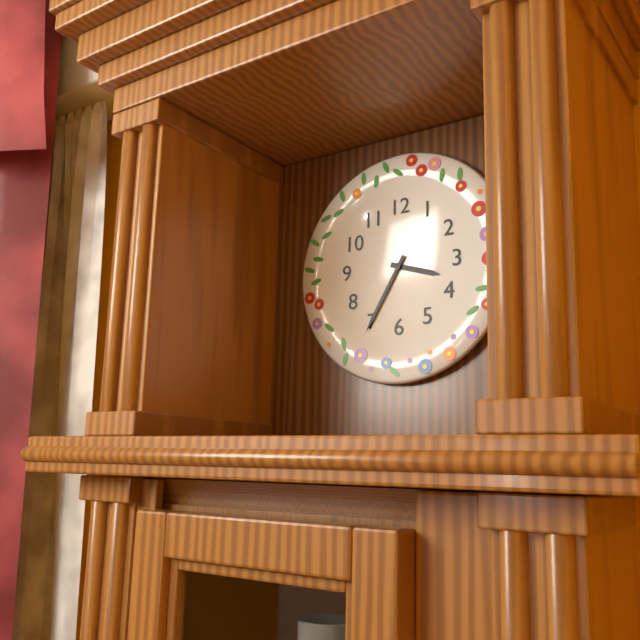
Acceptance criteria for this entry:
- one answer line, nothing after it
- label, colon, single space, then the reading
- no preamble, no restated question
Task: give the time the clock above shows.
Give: 3:35
